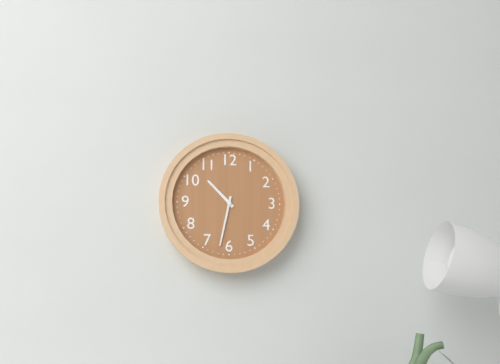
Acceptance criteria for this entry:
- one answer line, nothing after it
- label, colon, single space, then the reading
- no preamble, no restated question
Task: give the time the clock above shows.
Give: 10:32
